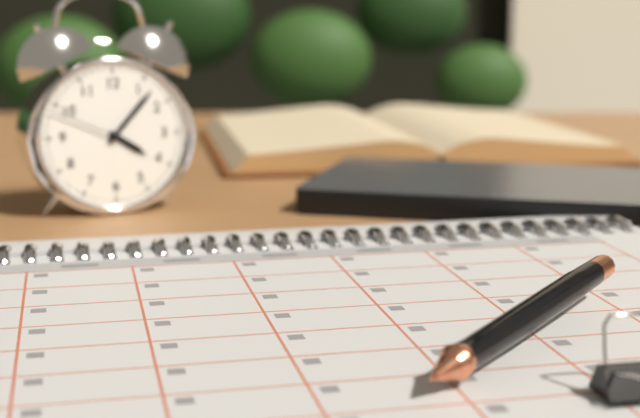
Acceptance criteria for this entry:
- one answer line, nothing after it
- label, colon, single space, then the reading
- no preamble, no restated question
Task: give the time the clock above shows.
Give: 4:07:49
